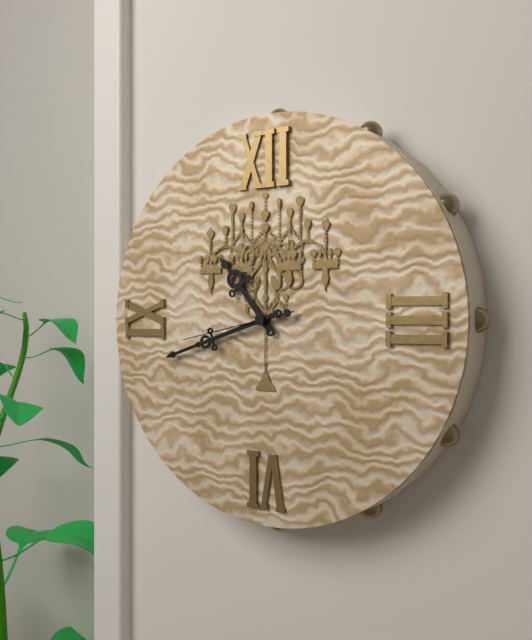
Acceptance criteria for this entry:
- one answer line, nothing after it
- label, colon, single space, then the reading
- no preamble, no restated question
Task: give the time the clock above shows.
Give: 10:42:43
